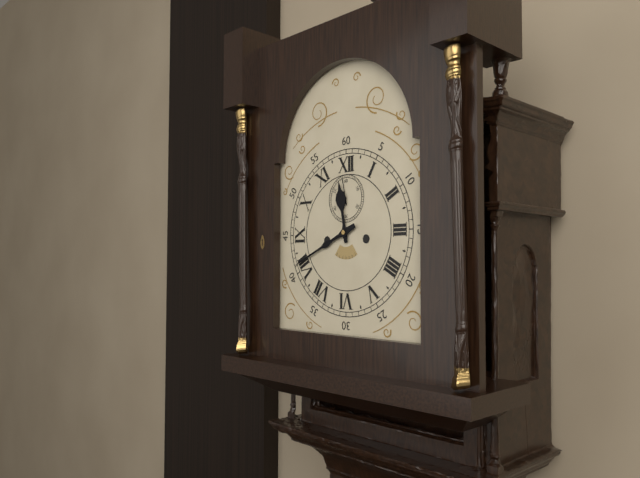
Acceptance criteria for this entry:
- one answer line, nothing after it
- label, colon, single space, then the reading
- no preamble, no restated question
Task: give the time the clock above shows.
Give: 11:41
